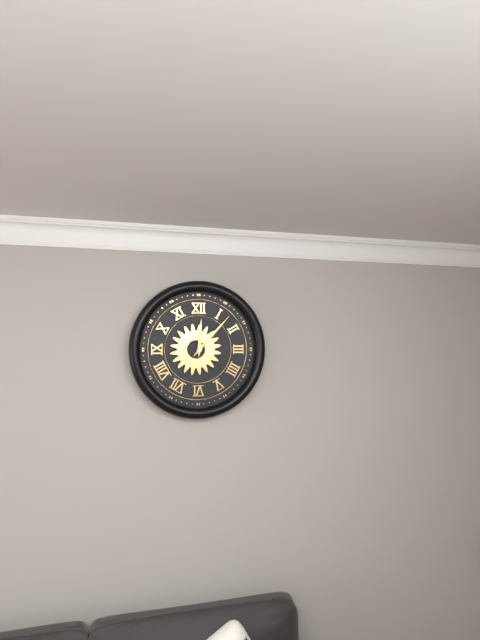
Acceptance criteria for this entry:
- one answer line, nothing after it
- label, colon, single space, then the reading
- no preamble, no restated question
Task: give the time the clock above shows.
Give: 12:07
